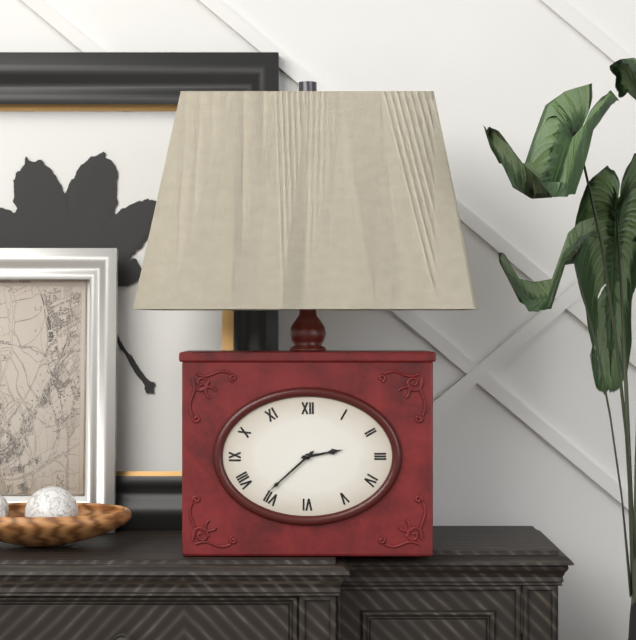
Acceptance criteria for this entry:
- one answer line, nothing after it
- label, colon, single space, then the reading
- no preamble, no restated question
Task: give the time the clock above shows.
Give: 2:38
